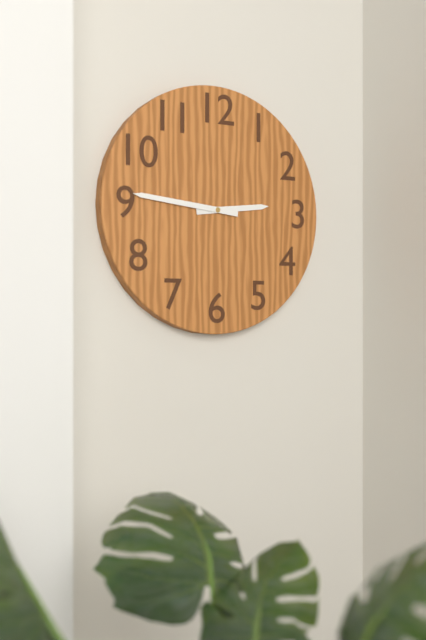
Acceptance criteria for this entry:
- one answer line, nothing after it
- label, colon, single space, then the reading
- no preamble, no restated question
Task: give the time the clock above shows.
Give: 2:46
